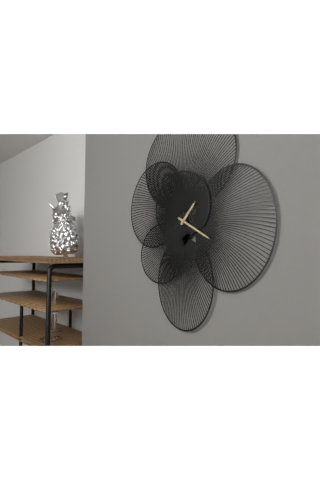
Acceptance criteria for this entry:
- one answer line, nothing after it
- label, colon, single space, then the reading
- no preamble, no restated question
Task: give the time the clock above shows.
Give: 1:20
